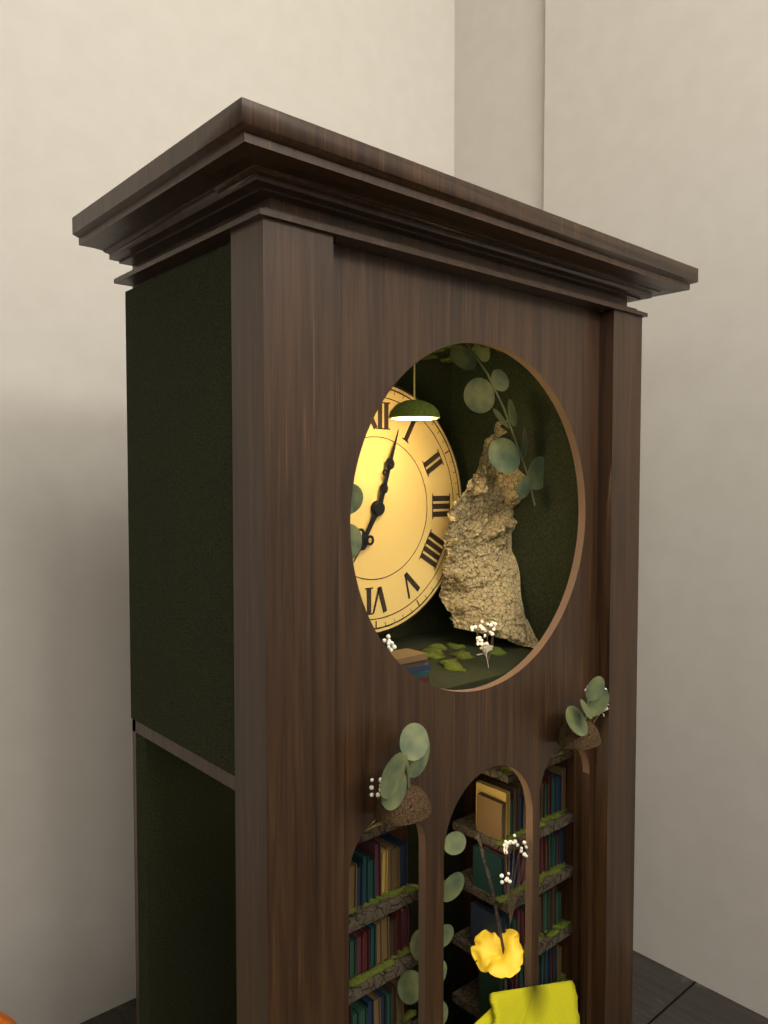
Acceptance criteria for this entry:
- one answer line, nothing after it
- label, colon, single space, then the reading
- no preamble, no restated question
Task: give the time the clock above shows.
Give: 7:03
